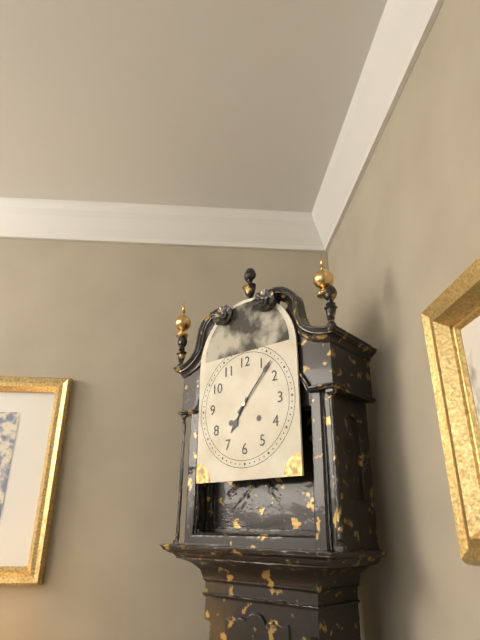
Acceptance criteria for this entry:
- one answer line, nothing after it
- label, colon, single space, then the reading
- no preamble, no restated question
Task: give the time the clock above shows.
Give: 7:07
